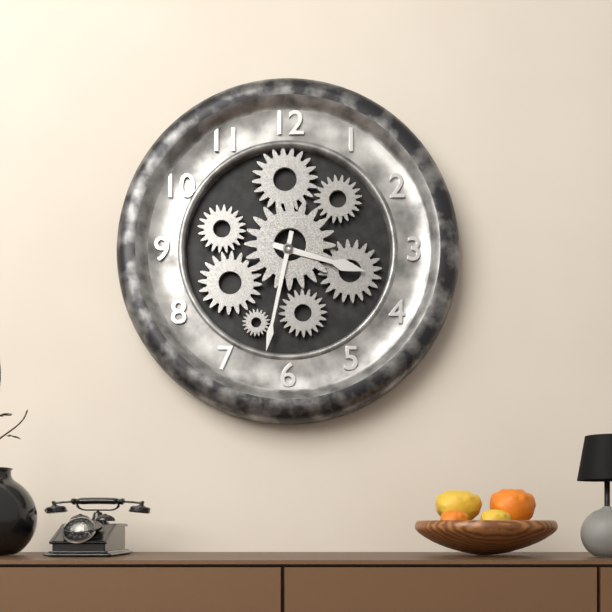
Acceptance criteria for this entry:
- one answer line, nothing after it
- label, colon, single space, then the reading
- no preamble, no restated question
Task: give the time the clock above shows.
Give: 3:32
